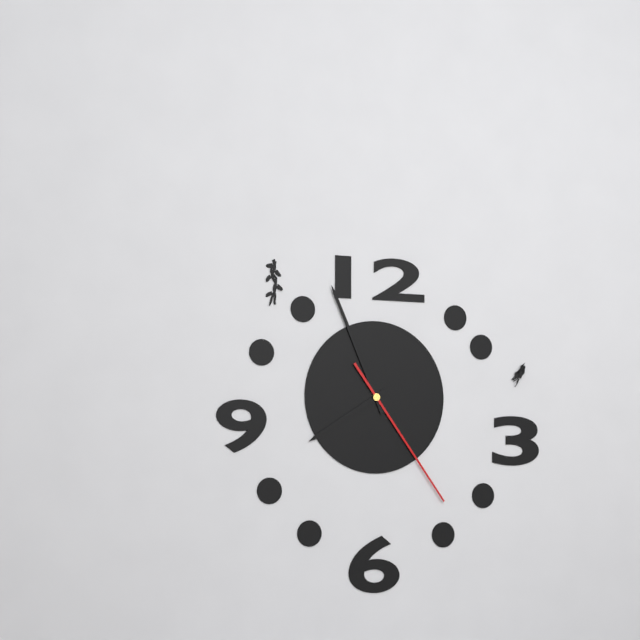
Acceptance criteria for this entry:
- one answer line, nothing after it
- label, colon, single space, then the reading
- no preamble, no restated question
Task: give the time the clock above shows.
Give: 7:56:24
